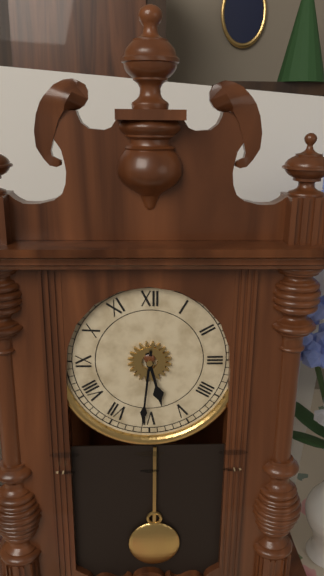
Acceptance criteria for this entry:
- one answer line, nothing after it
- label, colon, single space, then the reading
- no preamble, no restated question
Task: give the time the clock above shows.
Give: 5:31
